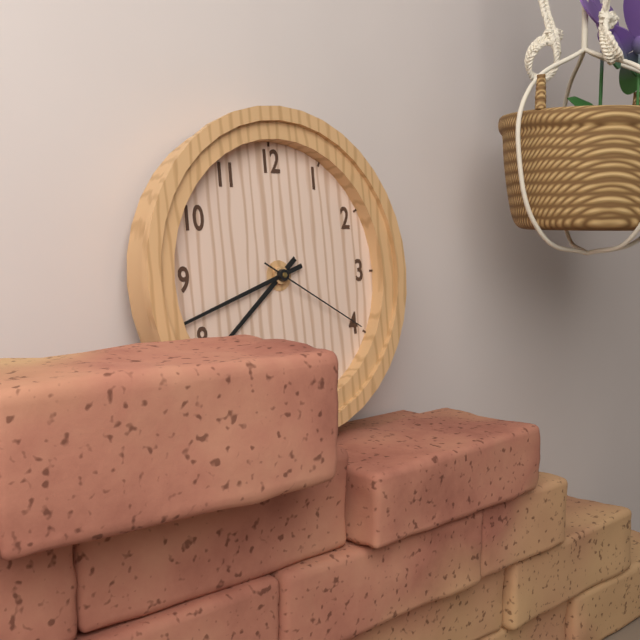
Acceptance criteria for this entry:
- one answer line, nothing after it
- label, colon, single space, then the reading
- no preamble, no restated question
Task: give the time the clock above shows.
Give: 7:42:20
